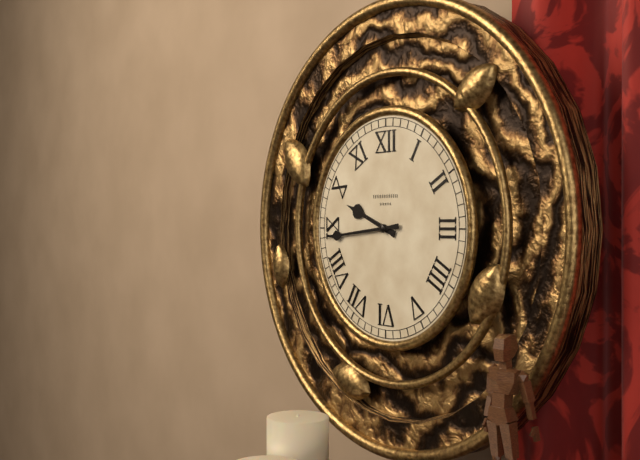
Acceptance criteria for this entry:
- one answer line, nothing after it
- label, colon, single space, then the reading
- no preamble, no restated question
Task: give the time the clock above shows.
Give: 9:44
